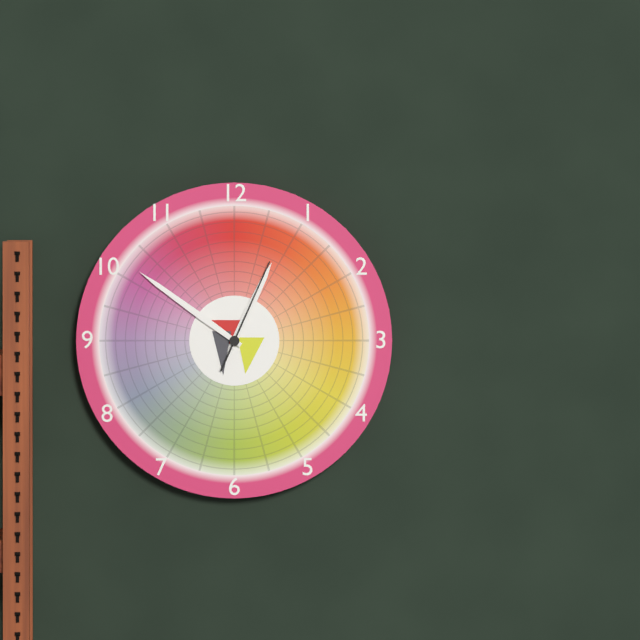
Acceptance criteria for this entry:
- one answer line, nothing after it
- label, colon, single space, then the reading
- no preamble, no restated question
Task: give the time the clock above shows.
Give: 12:51:04
